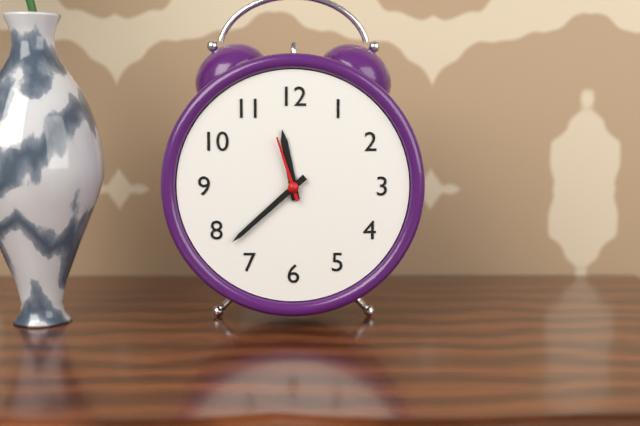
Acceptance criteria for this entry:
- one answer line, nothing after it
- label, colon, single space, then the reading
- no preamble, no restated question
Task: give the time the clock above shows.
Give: 11:38:57
